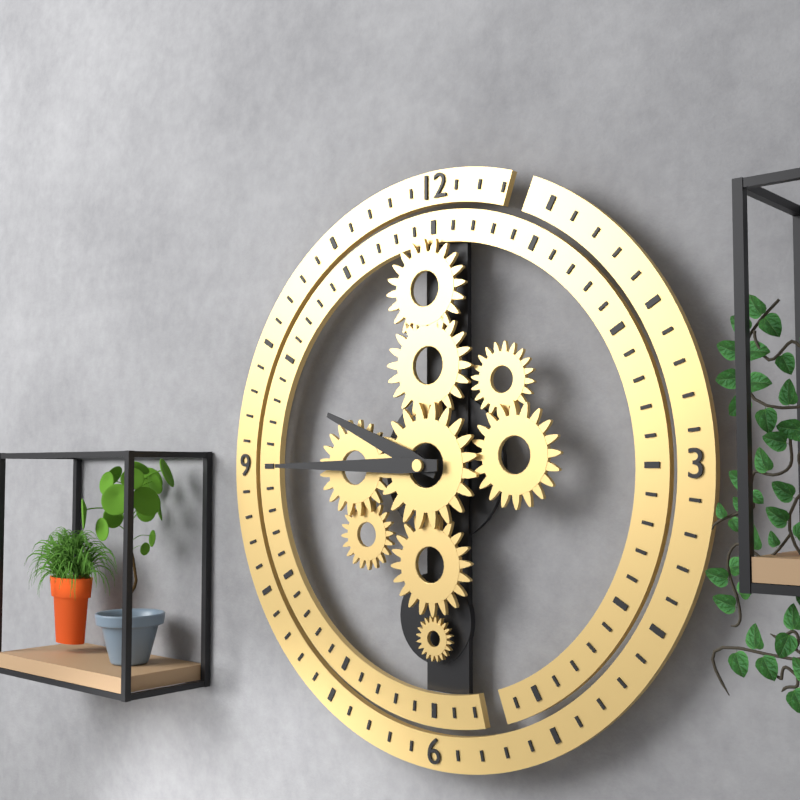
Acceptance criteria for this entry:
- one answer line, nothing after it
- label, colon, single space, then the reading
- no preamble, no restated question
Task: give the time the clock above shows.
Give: 9:45
